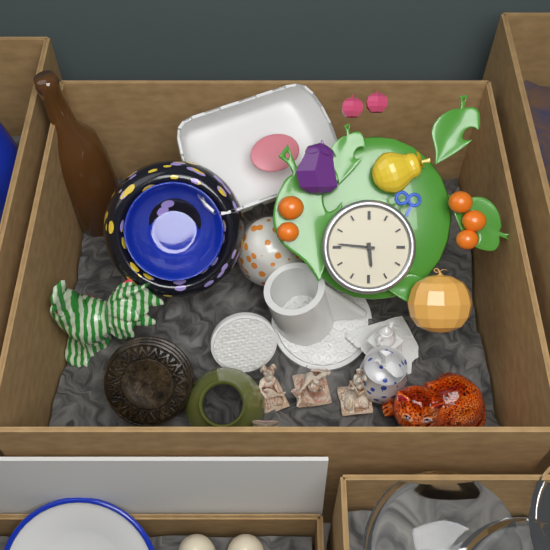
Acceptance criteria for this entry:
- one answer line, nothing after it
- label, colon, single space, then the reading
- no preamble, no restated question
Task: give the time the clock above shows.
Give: 5:46
